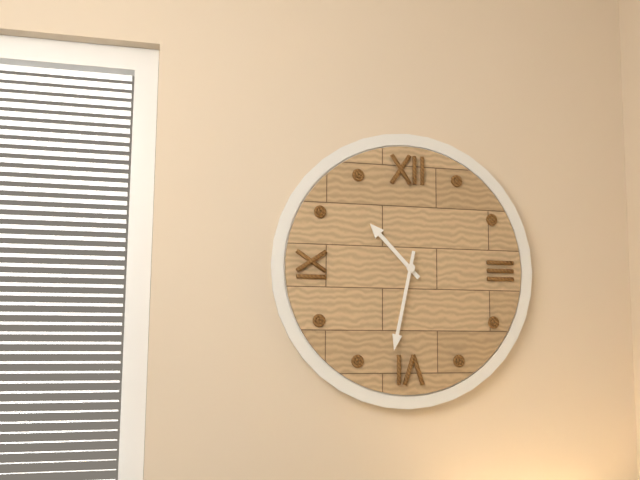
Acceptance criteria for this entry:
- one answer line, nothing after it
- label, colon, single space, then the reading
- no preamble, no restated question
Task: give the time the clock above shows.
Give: 10:32
